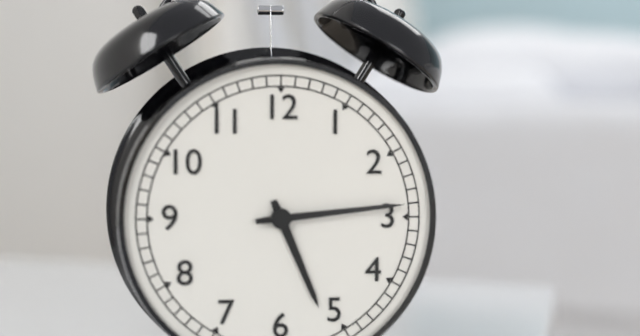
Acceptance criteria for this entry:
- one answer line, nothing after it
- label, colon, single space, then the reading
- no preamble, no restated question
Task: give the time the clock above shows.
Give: 5:14
